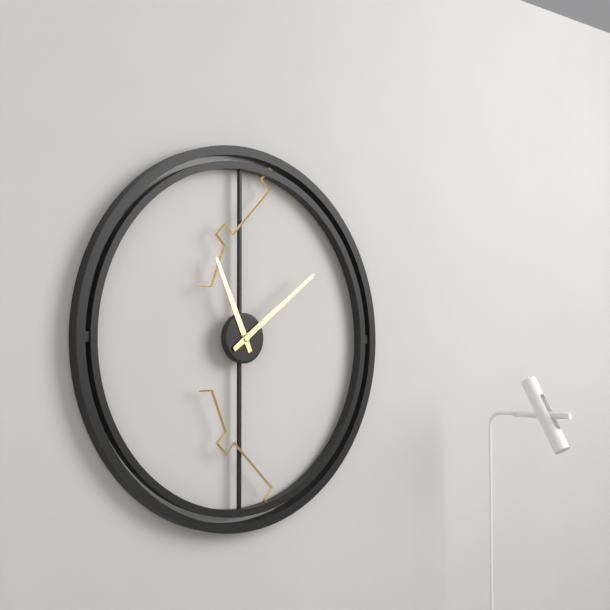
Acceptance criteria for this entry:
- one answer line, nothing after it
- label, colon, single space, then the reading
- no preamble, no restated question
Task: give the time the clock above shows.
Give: 11:09
